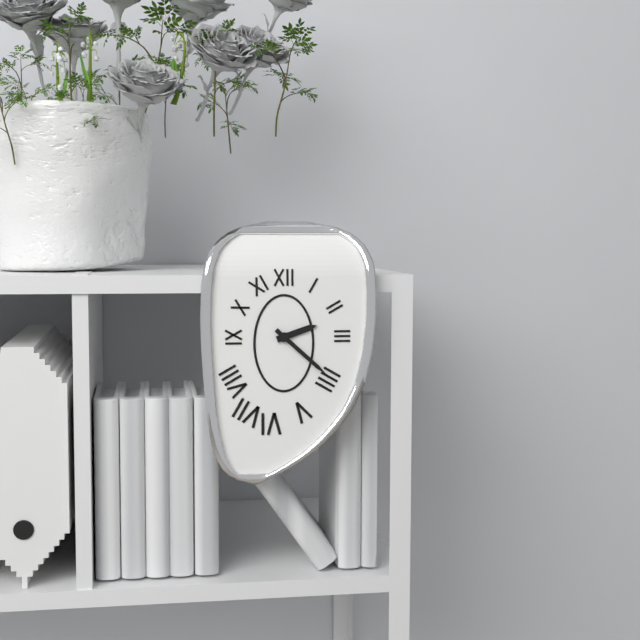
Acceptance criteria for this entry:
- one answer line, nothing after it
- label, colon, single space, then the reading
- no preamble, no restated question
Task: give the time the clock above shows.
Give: 2:22
